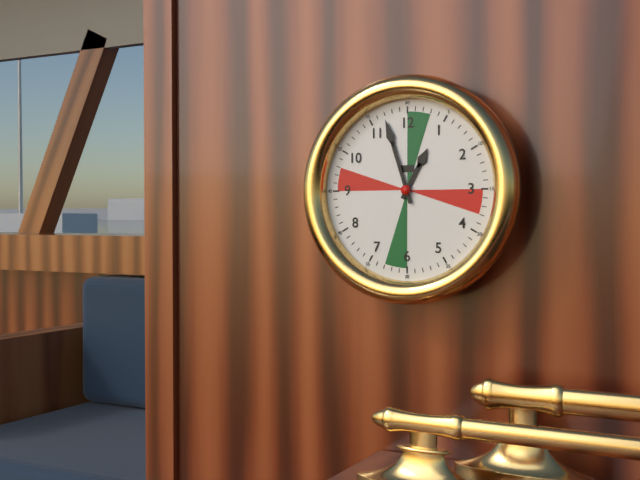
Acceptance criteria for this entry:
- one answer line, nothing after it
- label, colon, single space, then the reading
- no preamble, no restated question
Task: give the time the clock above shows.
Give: 12:57
